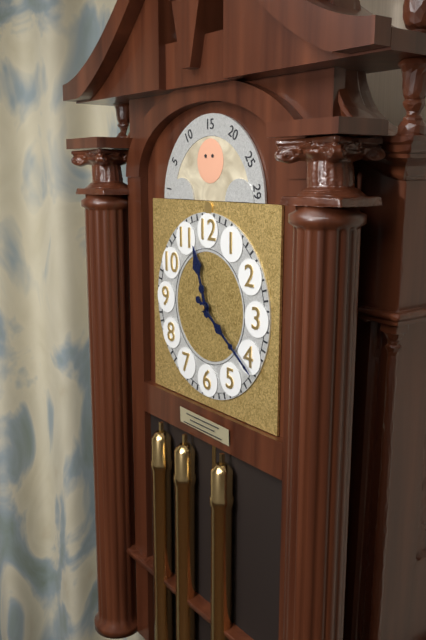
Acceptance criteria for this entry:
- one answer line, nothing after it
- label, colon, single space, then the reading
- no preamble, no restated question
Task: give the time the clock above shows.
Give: 11:21
